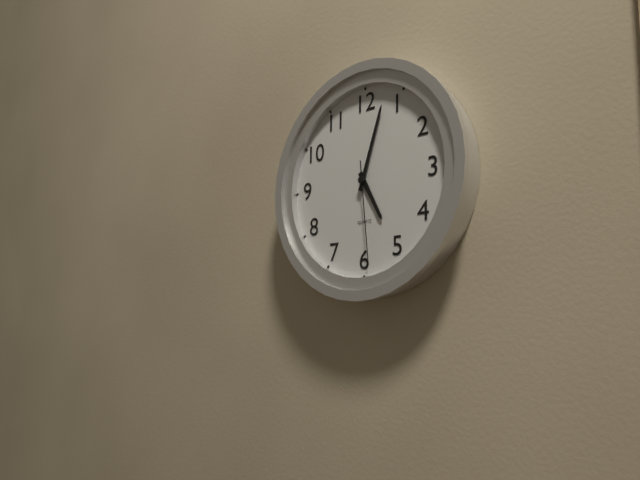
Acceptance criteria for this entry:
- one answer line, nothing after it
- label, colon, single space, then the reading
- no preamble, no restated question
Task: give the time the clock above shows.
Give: 5:03:29
